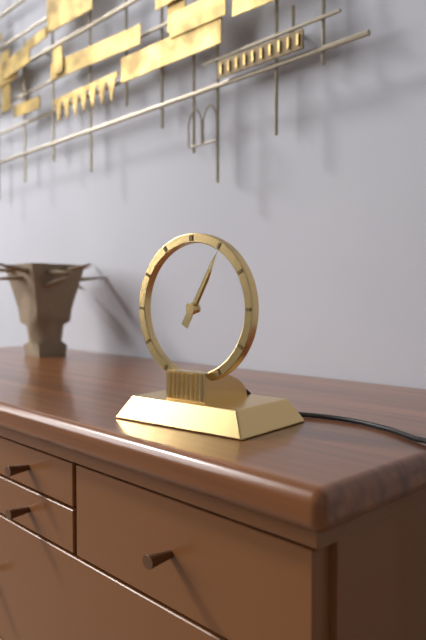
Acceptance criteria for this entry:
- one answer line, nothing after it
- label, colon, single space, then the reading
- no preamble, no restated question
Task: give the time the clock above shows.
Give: 1:05
